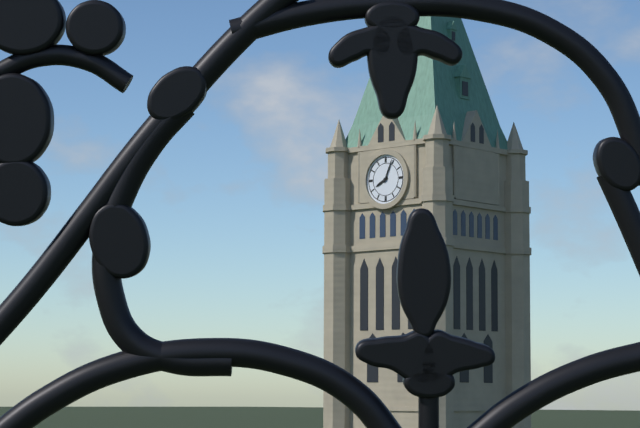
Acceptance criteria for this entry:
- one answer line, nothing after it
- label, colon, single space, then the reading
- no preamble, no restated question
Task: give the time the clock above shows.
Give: 8:04
